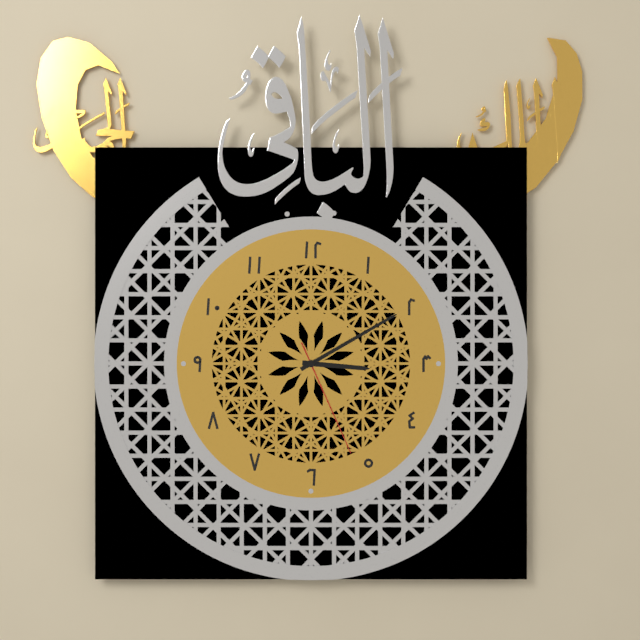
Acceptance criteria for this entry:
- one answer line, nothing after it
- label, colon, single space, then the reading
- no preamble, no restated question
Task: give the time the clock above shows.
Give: 3:10:26
